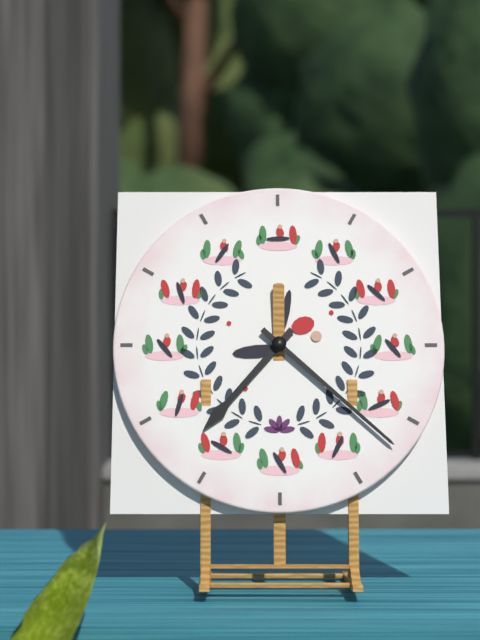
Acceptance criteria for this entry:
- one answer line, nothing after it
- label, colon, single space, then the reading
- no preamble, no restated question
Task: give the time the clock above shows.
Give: 7:22
